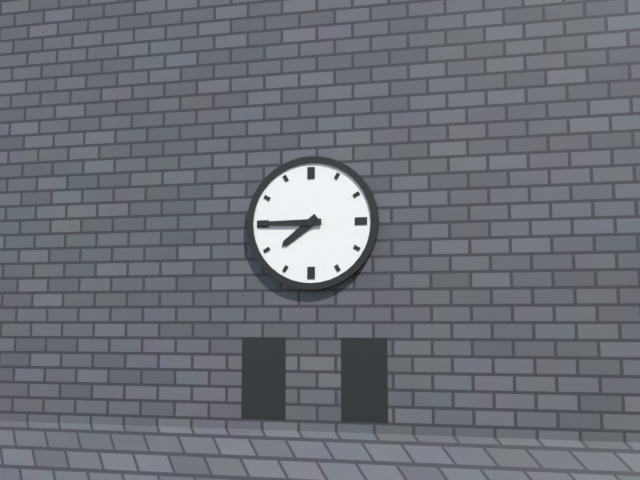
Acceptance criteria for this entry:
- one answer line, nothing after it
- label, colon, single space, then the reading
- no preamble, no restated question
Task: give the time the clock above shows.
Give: 7:45
